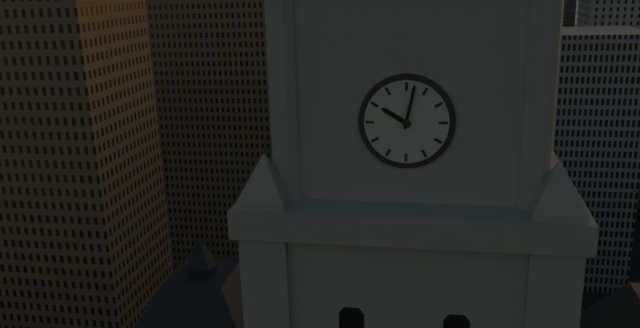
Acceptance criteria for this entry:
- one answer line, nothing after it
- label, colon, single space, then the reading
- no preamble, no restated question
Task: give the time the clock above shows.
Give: 10:02
